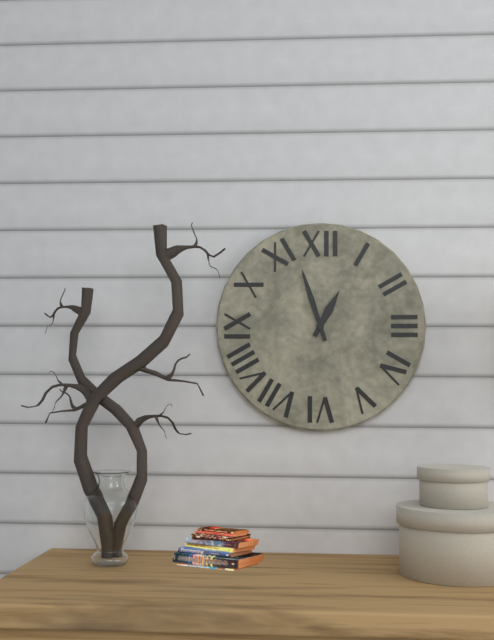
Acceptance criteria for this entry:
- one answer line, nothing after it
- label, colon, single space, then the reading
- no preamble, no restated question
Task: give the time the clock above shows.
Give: 12:57
